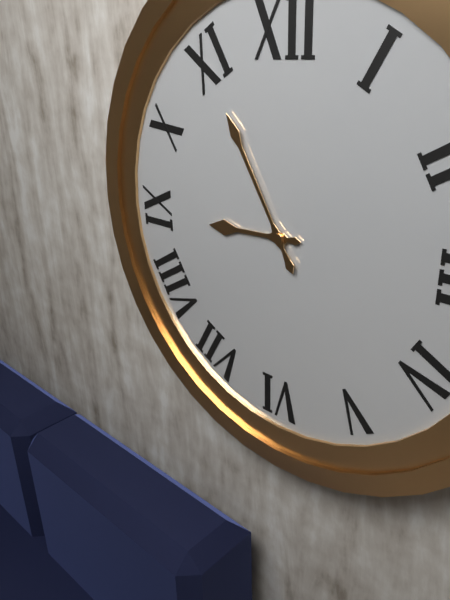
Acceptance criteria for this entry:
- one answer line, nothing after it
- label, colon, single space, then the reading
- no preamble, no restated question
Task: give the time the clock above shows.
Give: 8:55
